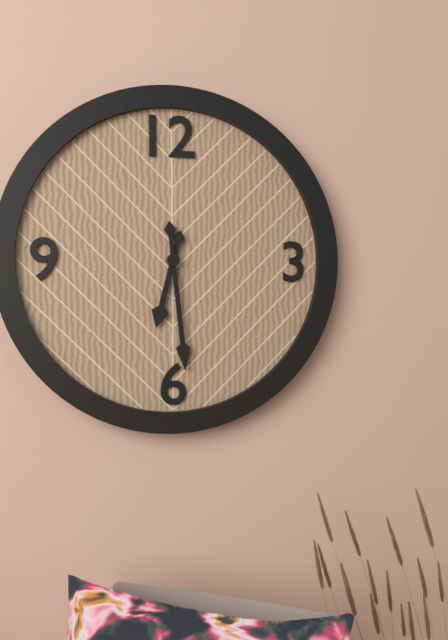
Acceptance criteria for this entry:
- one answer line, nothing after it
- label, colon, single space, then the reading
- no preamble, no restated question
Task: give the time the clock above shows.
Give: 6:29
